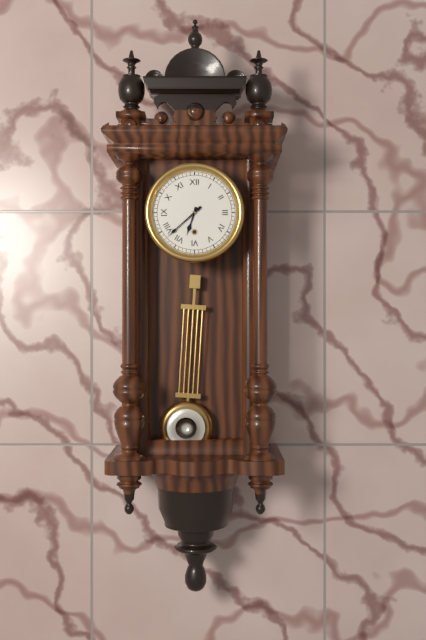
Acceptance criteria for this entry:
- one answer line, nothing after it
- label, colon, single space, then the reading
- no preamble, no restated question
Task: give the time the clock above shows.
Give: 6:38
